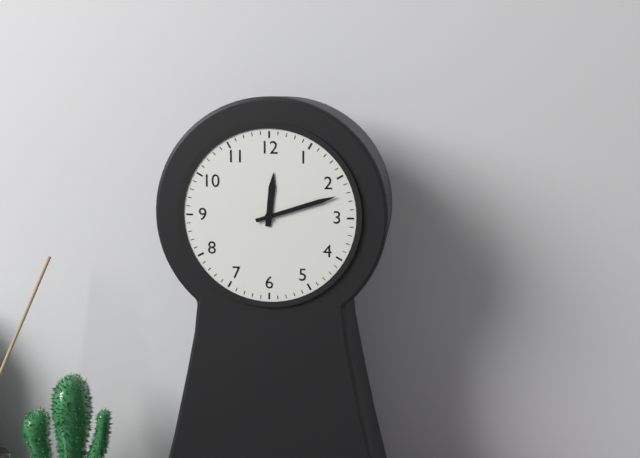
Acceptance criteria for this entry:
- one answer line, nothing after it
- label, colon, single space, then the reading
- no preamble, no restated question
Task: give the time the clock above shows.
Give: 12:12
